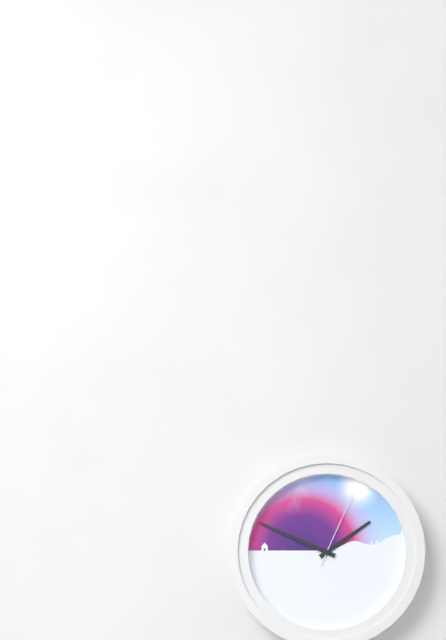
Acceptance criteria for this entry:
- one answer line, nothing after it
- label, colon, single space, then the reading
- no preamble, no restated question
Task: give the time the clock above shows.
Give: 1:49:04
